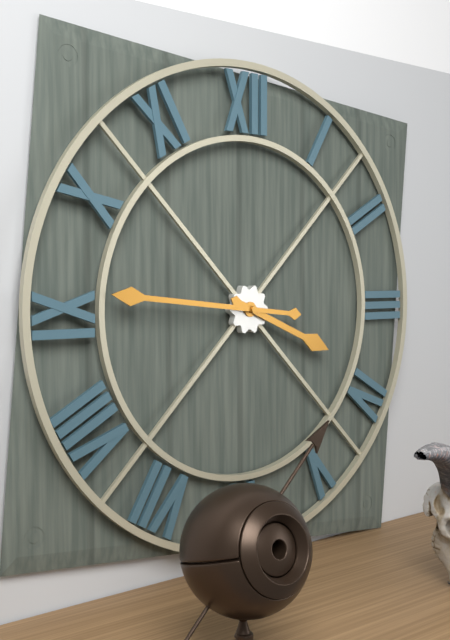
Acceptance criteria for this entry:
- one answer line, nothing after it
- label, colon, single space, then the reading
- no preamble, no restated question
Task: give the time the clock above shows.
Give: 3:46
